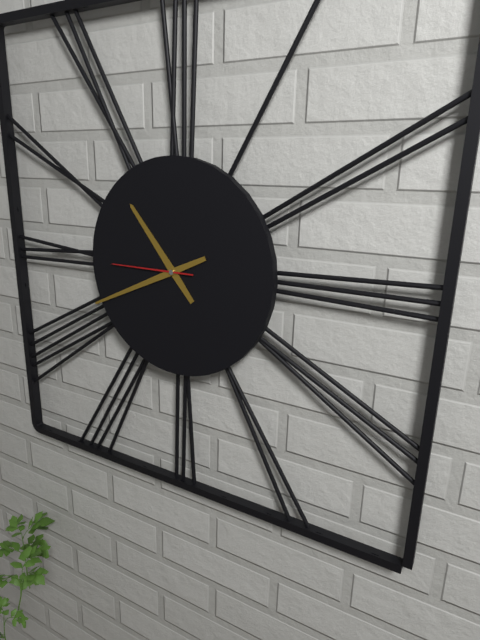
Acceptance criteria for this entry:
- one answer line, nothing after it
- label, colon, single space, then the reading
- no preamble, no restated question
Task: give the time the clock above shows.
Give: 10:41:45
